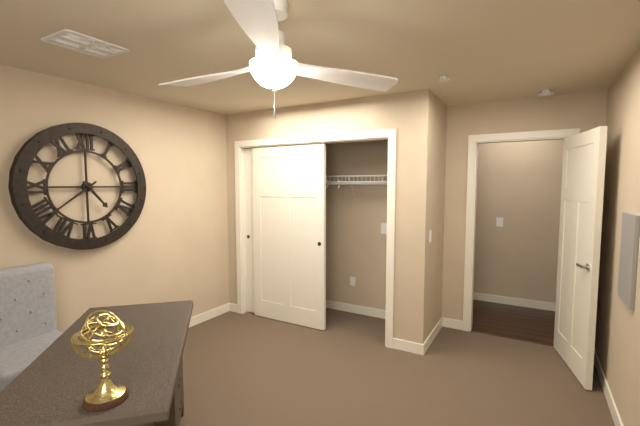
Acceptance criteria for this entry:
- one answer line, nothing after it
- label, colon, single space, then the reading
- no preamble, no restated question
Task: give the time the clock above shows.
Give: 4:39
